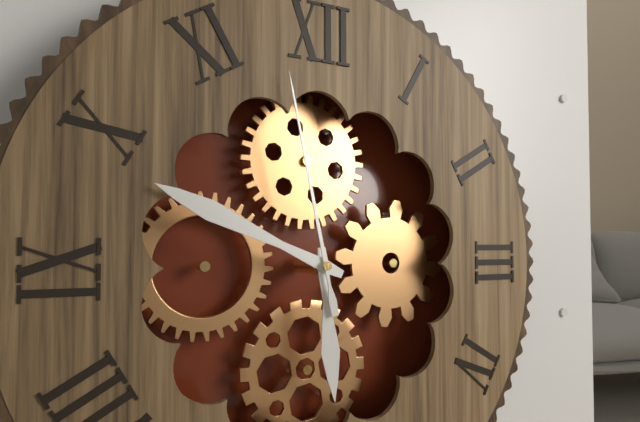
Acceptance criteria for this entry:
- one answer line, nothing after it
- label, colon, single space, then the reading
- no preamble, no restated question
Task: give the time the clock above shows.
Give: 5:49:58
